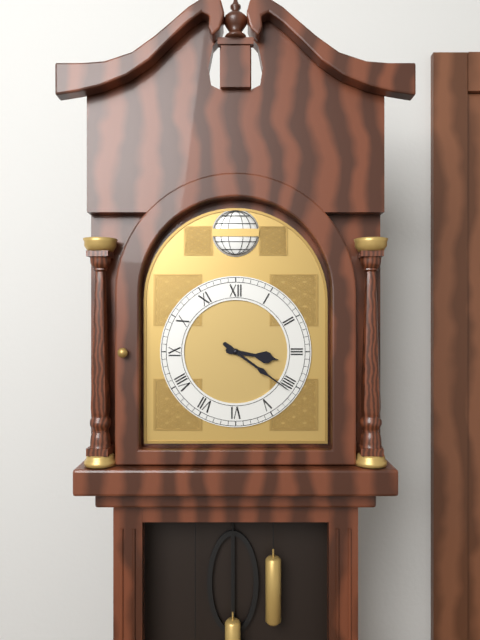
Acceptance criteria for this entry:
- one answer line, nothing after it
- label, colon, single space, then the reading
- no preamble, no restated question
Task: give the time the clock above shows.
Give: 3:21
